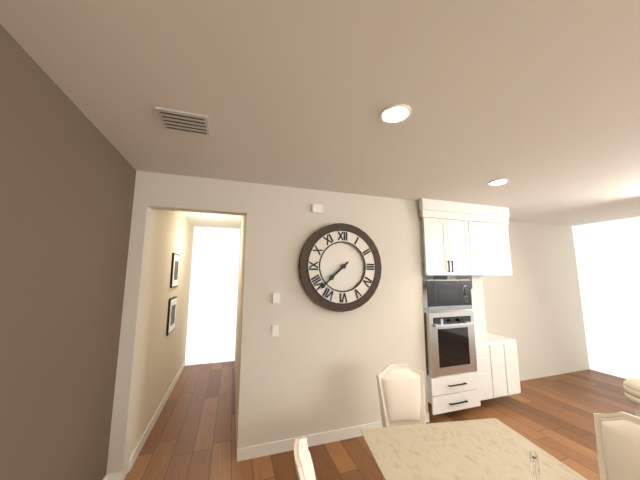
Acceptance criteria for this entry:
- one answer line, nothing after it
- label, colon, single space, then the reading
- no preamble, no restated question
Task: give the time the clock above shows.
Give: 7:38
